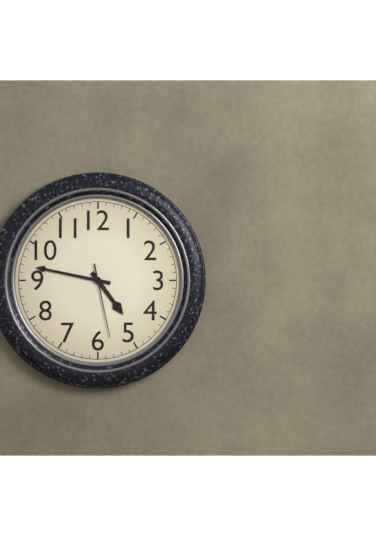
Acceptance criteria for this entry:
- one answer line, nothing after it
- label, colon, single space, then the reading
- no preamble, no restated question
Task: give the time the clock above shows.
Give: 4:47:28
